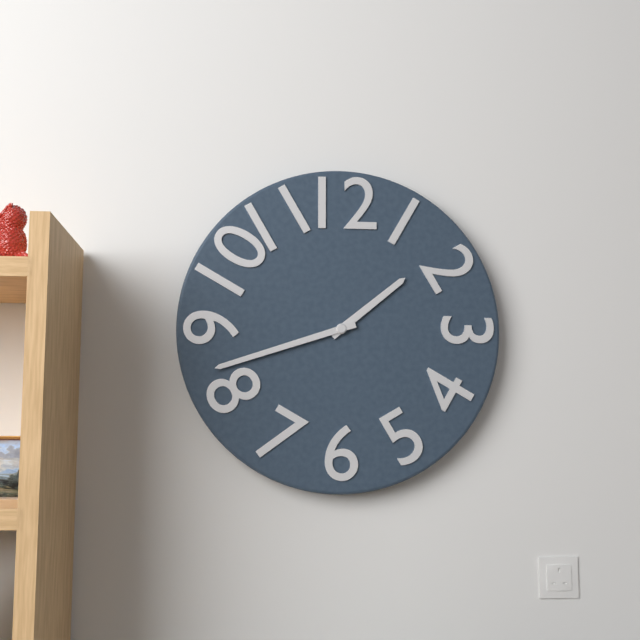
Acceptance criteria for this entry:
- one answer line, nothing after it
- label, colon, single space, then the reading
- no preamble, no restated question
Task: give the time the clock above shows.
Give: 1:42
